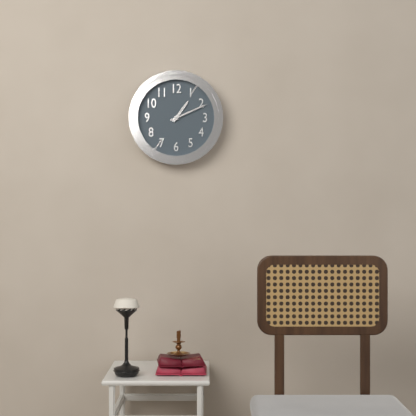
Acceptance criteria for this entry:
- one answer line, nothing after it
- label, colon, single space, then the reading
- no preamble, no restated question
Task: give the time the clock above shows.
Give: 1:11
